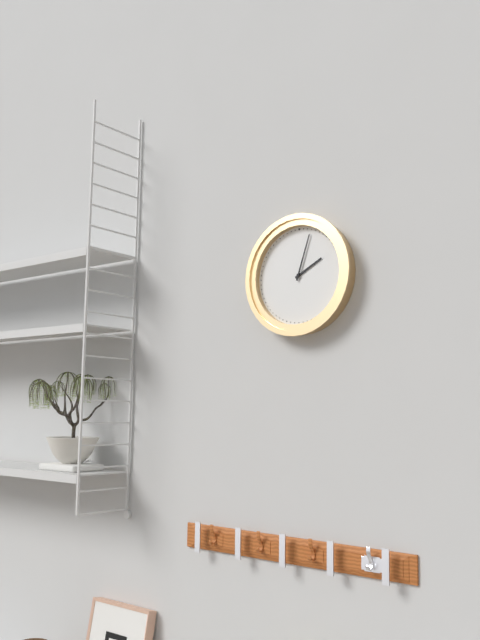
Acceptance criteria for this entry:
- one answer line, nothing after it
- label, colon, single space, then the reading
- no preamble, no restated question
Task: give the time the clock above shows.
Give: 2:03
